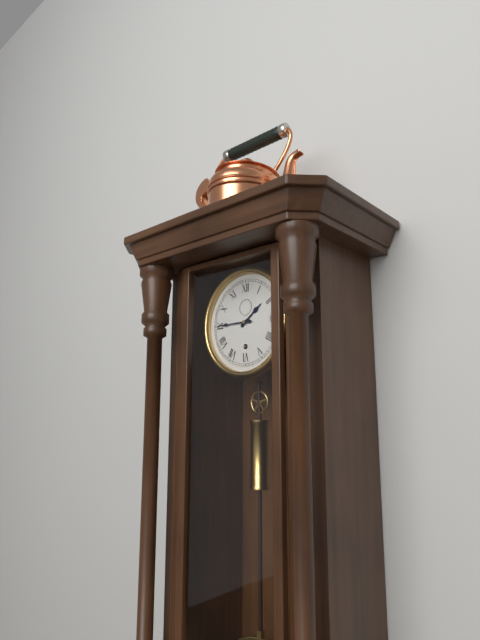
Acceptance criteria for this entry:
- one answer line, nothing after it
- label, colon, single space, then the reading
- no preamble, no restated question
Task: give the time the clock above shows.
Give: 1:45
